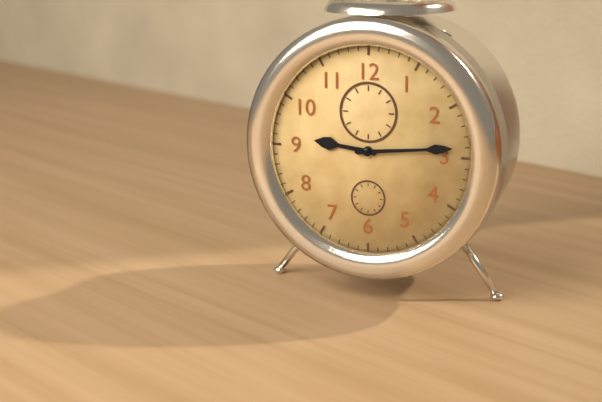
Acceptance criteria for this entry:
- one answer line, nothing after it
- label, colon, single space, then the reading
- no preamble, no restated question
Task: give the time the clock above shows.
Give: 9:14
